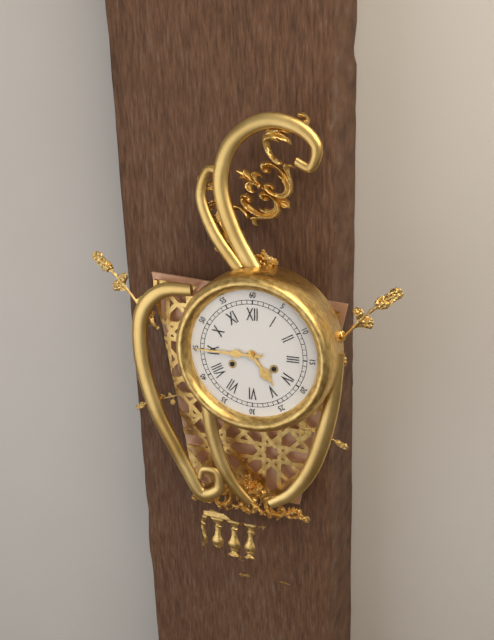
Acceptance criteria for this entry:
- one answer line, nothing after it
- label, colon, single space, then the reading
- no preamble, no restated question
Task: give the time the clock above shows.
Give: 4:45
